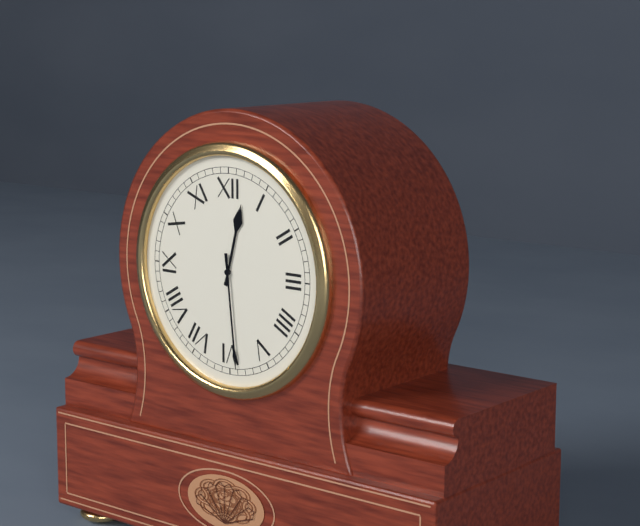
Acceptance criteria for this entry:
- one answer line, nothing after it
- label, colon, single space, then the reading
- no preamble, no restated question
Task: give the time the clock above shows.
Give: 12:29
